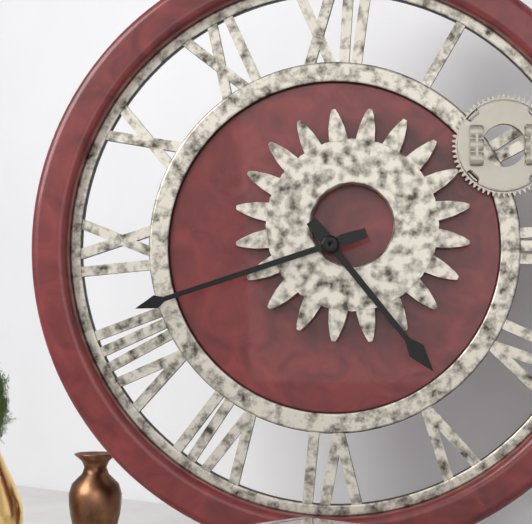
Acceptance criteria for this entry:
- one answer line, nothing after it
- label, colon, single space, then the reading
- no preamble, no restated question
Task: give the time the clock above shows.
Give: 4:42
